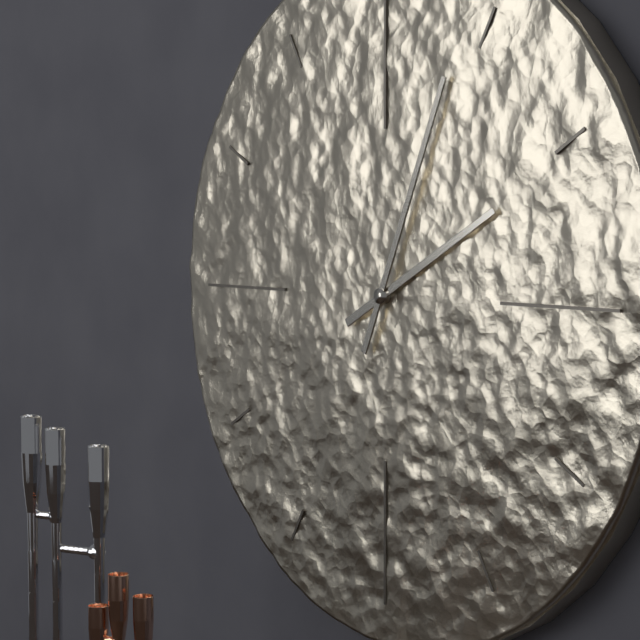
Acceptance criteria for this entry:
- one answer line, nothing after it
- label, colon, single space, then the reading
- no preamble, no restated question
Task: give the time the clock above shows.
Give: 2:04
